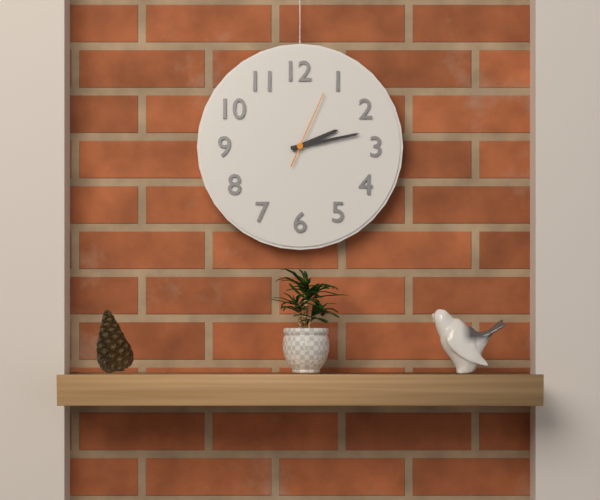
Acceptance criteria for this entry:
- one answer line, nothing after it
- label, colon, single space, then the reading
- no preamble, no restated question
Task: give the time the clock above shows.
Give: 2:13:04
